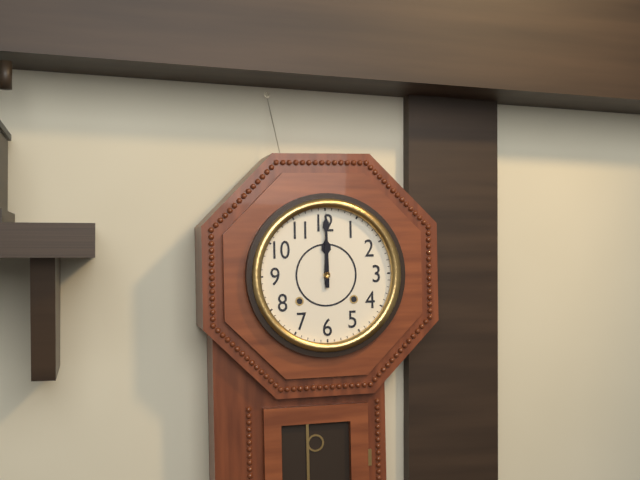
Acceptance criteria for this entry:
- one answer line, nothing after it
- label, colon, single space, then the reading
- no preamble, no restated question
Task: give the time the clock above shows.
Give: 12:00
